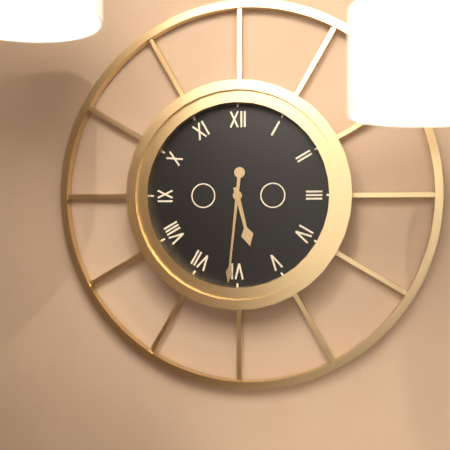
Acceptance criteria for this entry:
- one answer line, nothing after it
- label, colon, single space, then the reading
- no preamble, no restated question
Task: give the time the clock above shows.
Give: 5:31
